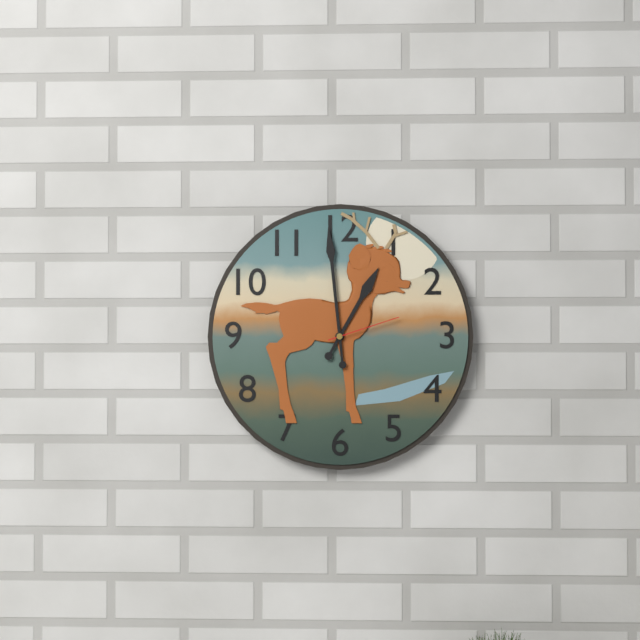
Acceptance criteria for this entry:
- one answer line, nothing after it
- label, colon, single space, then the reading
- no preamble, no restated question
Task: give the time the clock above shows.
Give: 12:59:12
